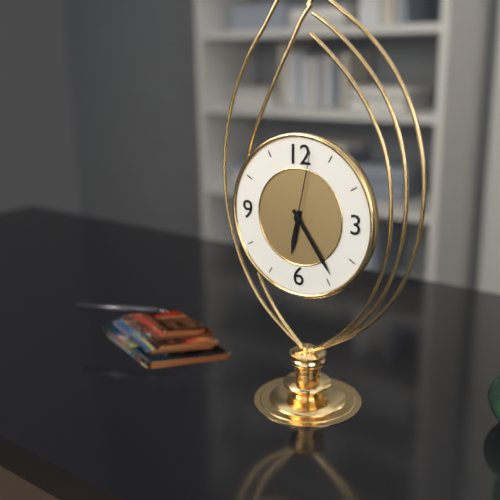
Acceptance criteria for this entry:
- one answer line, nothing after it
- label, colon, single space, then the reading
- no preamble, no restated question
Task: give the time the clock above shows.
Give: 6:24:02
